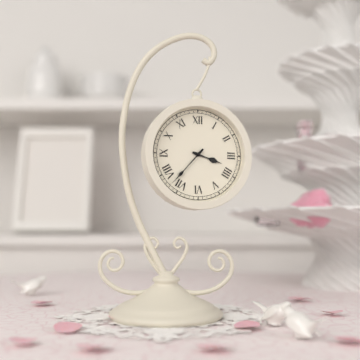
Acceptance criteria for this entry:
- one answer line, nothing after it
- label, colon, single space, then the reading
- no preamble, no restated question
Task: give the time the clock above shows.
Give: 3:37
